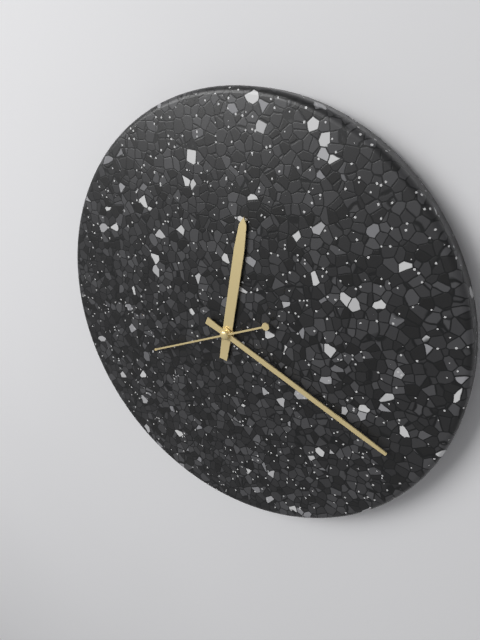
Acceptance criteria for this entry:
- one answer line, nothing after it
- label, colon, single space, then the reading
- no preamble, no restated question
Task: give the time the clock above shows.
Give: 12:19:41
